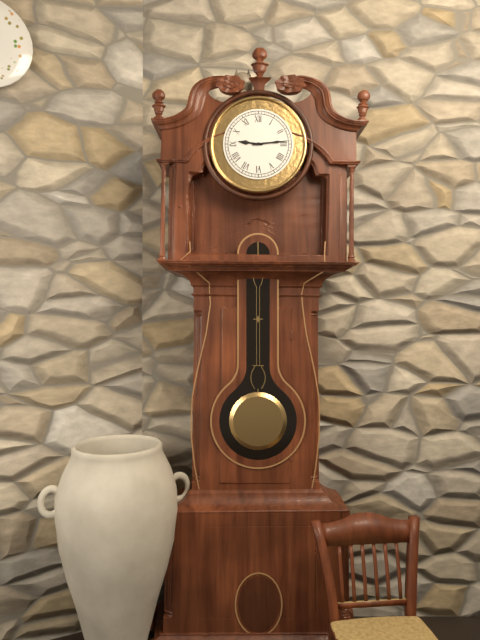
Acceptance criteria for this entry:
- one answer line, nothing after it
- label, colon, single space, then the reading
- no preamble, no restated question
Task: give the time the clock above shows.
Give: 9:14
